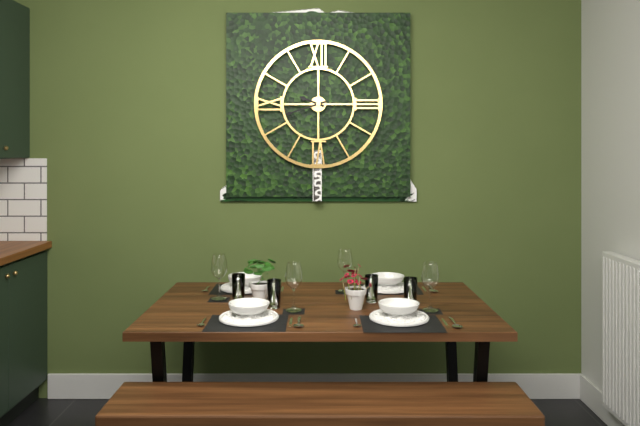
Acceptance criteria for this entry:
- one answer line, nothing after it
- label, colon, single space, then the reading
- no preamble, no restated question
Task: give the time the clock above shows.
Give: 9:42
